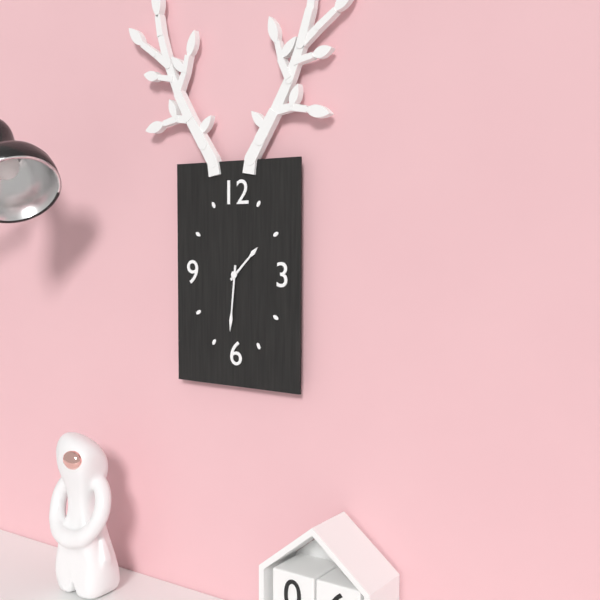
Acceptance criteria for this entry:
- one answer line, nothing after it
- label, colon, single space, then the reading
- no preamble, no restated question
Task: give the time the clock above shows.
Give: 1:31
